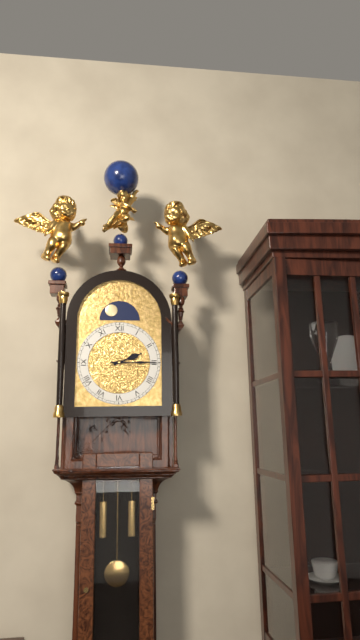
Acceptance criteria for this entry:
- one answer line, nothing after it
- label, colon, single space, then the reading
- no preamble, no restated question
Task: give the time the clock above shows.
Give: 2:15
